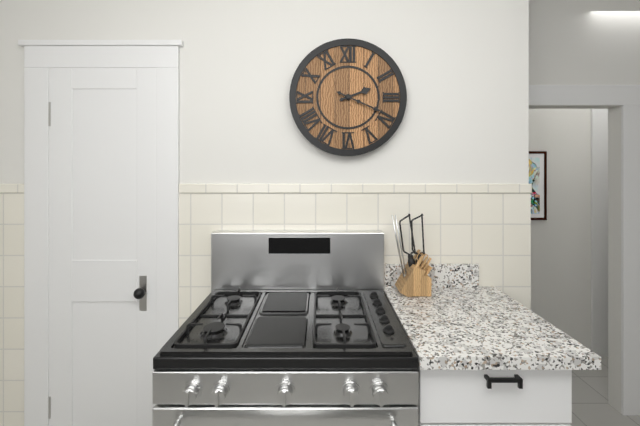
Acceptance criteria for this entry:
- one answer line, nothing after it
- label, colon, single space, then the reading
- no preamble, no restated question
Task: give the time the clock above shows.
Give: 2:19
